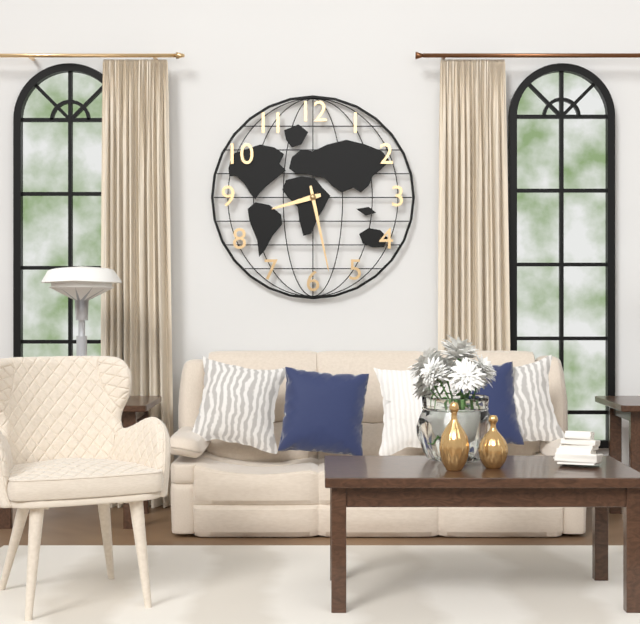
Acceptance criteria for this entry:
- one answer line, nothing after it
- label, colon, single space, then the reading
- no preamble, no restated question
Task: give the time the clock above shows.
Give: 8:28
